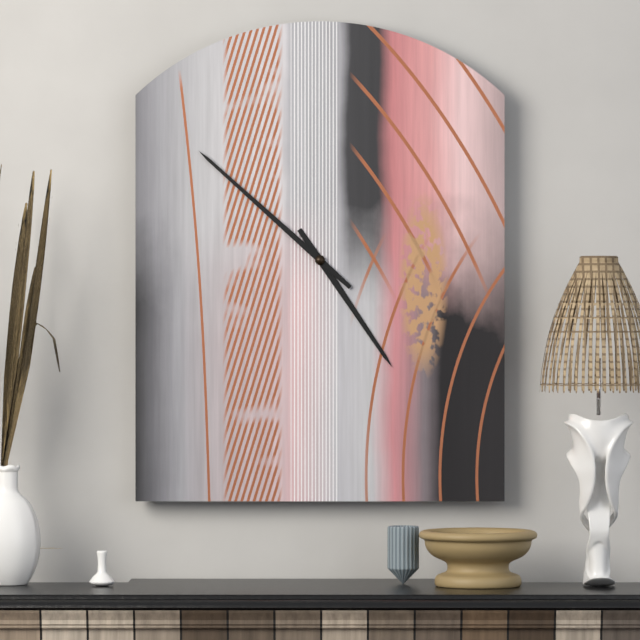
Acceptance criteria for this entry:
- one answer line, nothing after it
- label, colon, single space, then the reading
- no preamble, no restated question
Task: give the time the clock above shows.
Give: 4:52
